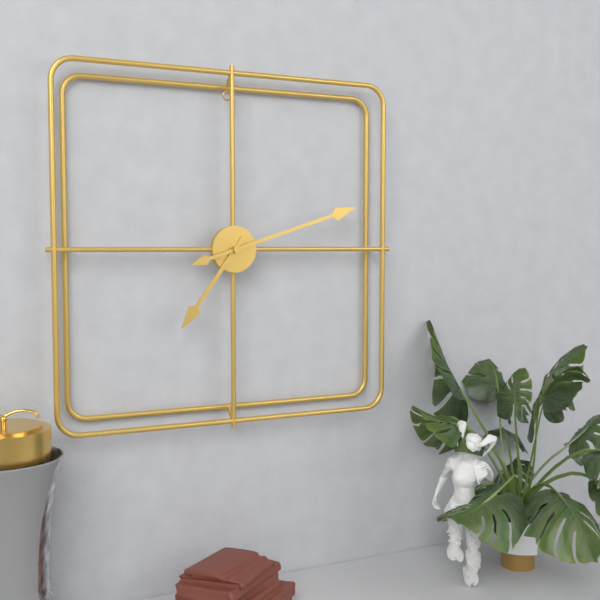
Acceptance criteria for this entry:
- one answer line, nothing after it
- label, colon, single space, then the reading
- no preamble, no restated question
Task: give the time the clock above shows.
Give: 7:12
